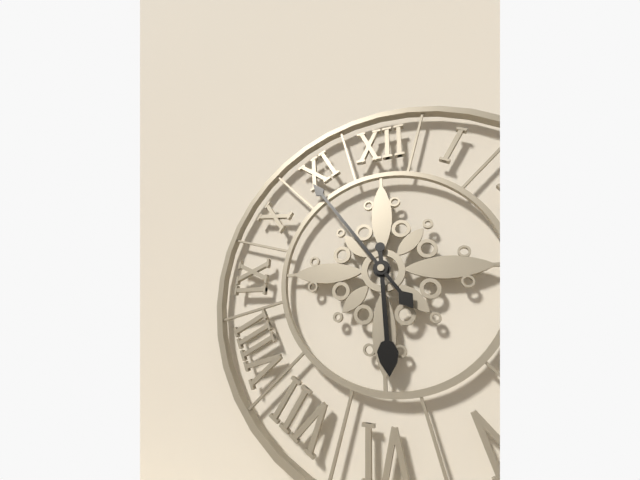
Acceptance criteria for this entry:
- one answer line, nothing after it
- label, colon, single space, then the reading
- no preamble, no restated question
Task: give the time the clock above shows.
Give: 5:54
